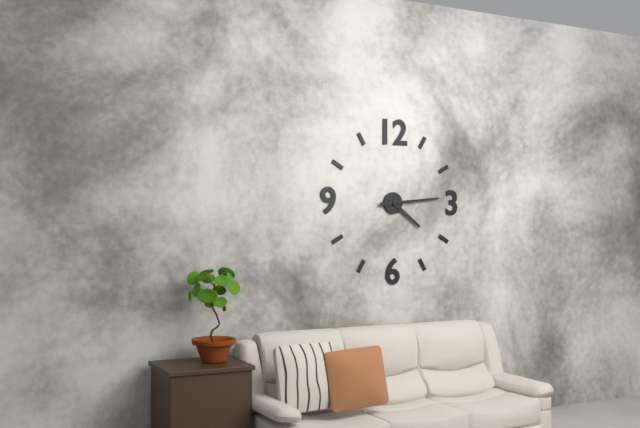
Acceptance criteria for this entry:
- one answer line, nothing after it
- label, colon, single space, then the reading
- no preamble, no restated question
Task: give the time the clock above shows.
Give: 4:14
